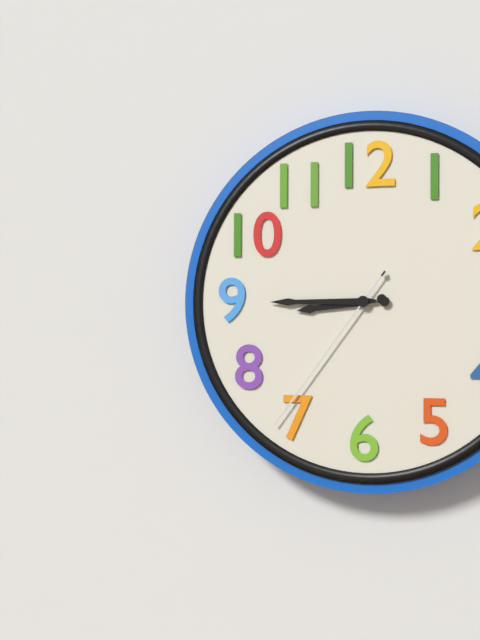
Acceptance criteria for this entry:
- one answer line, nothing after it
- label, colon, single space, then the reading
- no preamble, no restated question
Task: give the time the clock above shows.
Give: 8:45:36
